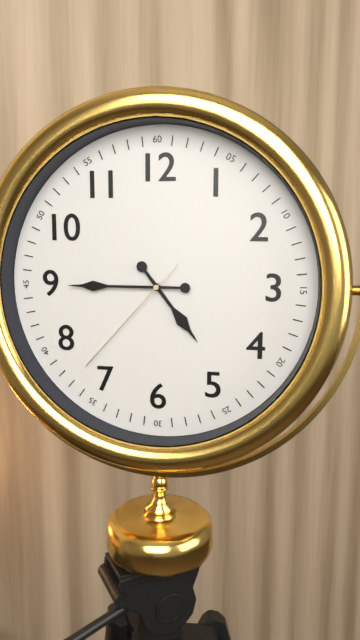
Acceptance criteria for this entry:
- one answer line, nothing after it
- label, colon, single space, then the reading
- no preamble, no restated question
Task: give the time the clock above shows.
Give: 4:45:37
